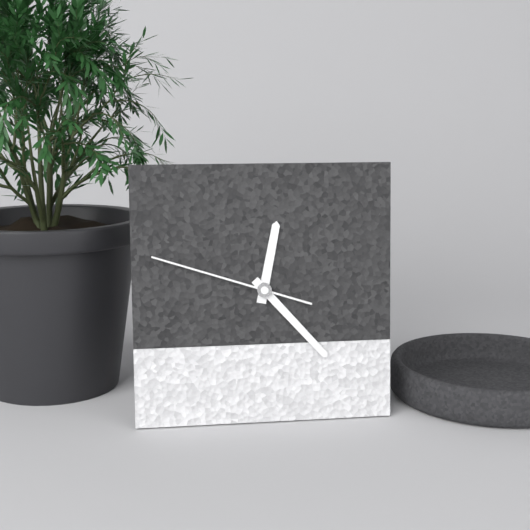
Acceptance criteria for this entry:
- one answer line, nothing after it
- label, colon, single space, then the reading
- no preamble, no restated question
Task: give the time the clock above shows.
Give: 12:23:48
